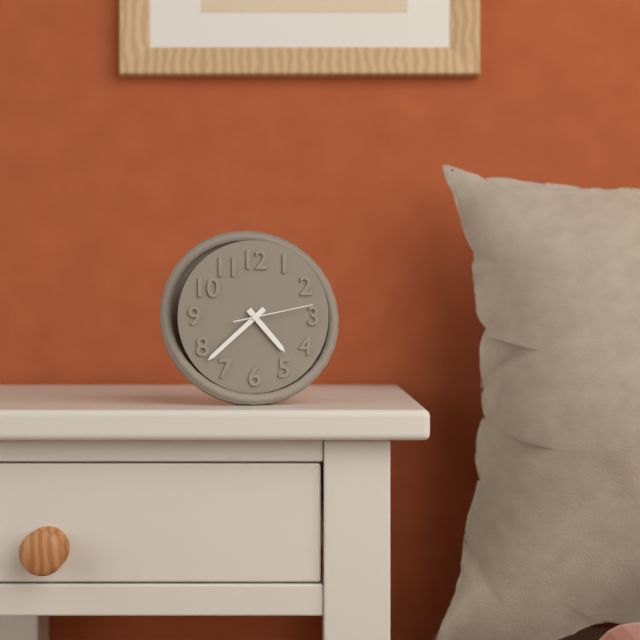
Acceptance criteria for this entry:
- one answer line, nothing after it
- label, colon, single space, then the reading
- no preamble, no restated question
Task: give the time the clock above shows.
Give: 4:38:13
